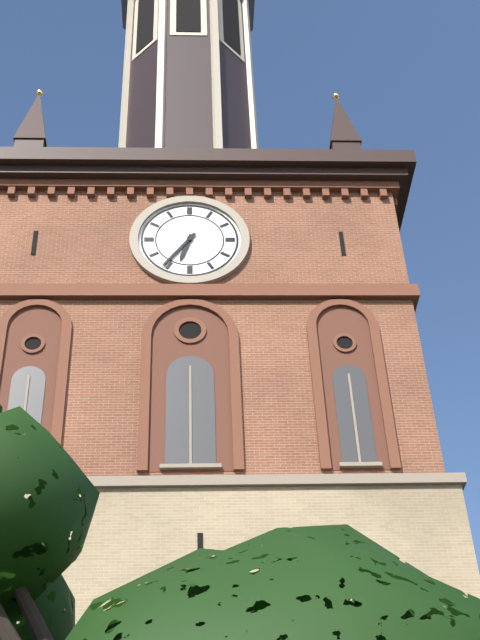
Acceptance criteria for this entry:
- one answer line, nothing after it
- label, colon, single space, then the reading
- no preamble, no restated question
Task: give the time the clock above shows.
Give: 6:36
